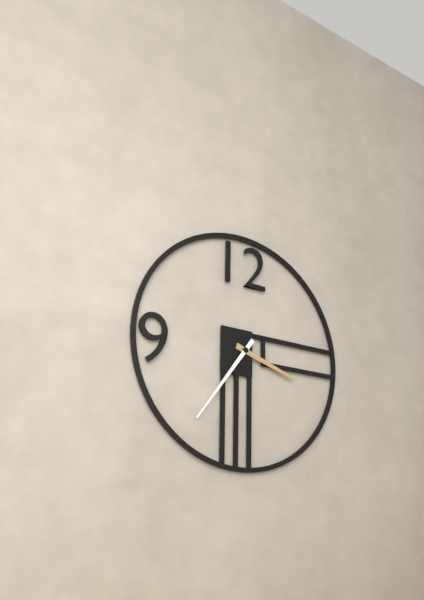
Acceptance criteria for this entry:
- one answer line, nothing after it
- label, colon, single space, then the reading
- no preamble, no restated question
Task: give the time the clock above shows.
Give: 3:36
